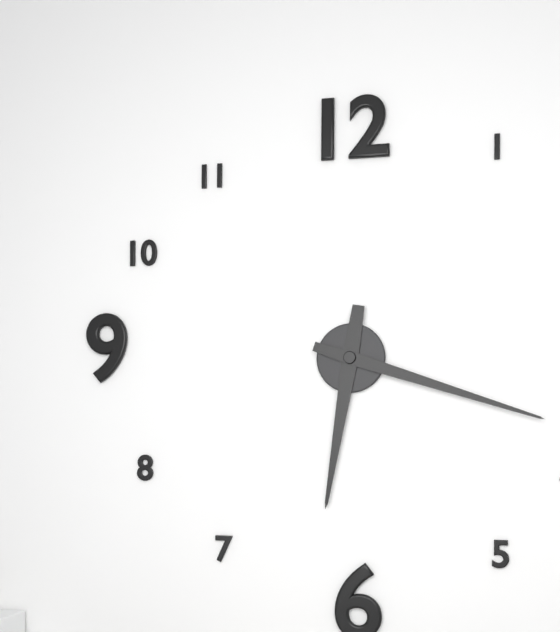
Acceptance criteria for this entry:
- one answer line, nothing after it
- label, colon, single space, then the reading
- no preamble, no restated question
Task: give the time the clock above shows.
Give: 6:18
